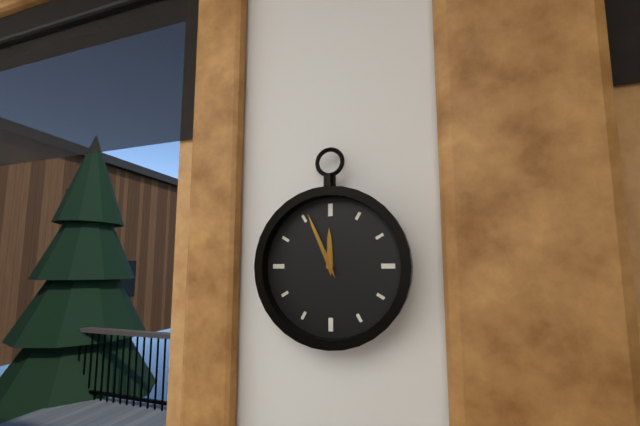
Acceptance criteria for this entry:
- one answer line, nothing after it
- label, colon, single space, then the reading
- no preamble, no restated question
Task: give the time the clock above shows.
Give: 11:56
